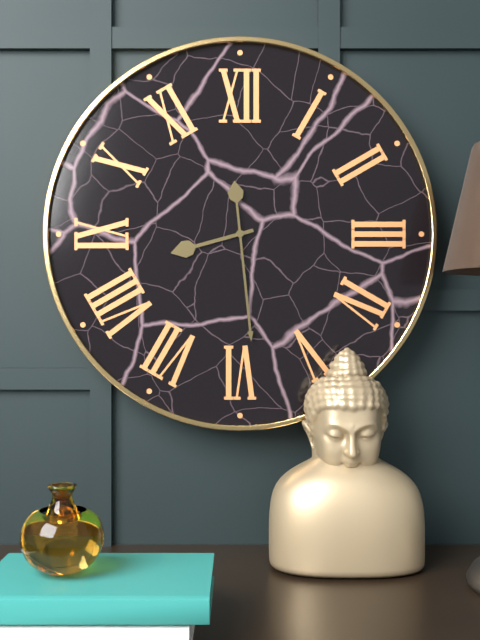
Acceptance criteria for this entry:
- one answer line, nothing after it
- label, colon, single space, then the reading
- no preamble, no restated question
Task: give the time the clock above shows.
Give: 8:29
